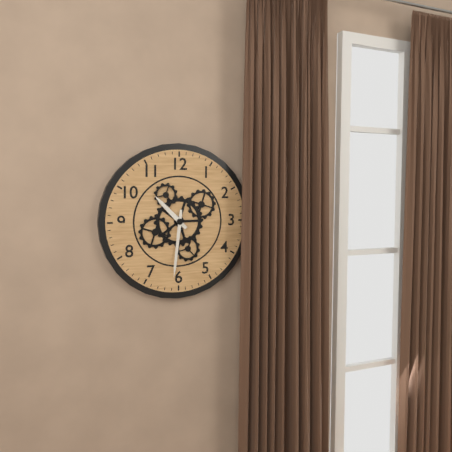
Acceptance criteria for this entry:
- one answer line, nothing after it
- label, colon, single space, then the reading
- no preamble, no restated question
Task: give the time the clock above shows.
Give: 10:31
